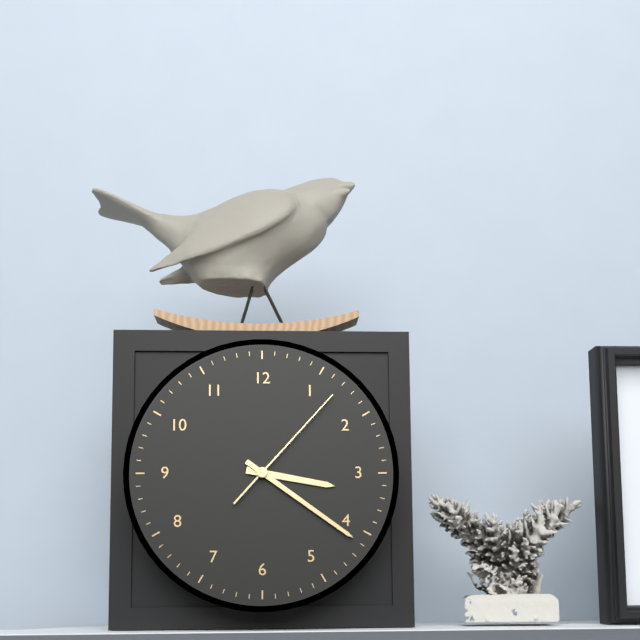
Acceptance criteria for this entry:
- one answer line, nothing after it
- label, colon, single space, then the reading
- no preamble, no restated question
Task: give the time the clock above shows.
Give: 3:21:07
